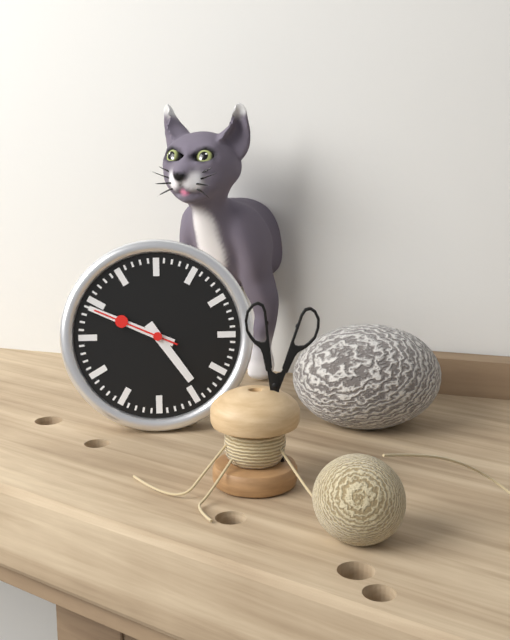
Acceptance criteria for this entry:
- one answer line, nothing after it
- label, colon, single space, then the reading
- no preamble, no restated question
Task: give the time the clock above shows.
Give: 4:49:49
